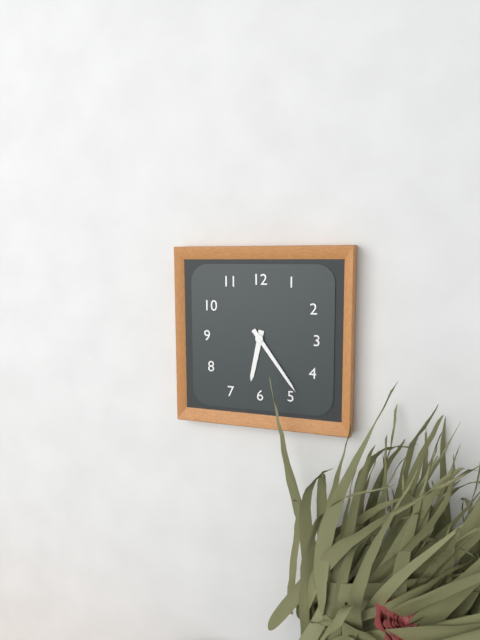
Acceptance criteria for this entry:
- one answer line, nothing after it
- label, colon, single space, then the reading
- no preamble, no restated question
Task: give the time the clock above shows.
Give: 6:24
